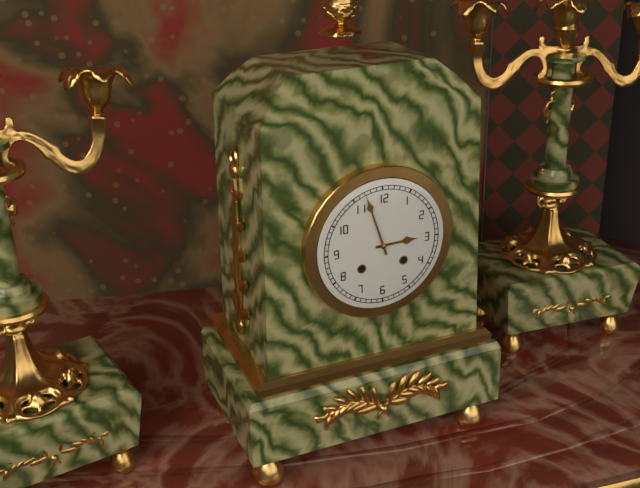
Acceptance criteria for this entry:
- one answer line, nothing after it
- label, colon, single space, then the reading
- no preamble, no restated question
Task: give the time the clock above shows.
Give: 2:57
